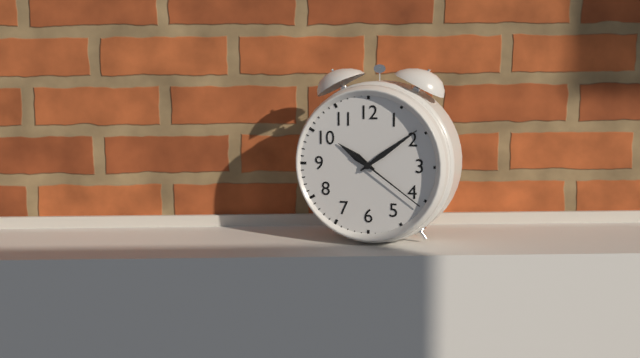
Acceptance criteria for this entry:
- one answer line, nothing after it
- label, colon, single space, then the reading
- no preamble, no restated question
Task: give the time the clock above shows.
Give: 10:09:21
